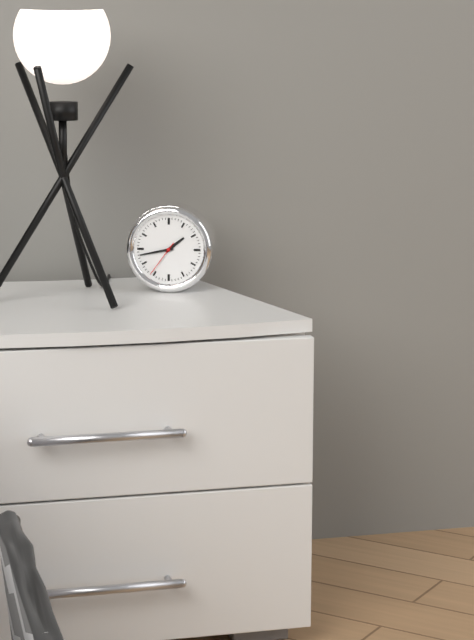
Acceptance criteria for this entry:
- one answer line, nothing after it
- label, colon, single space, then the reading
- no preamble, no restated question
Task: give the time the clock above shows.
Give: 1:43
